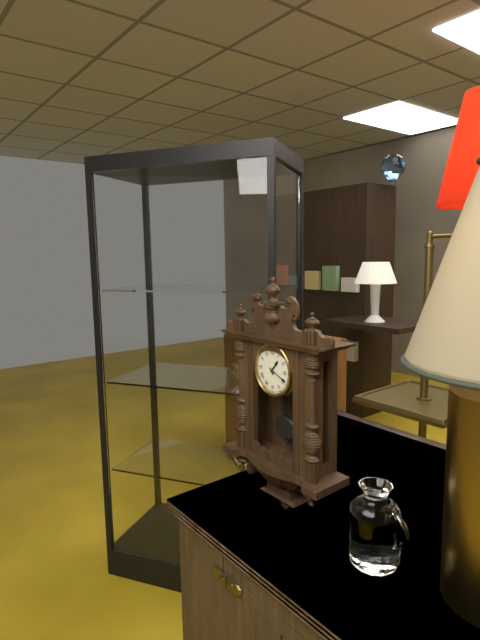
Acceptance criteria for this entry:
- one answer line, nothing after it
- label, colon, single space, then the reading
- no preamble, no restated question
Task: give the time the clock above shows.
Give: 1:19
